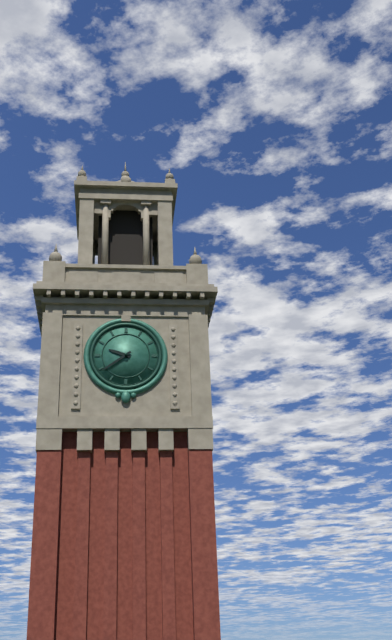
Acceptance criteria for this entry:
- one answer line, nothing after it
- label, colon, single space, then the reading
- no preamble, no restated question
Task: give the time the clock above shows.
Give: 9:39
